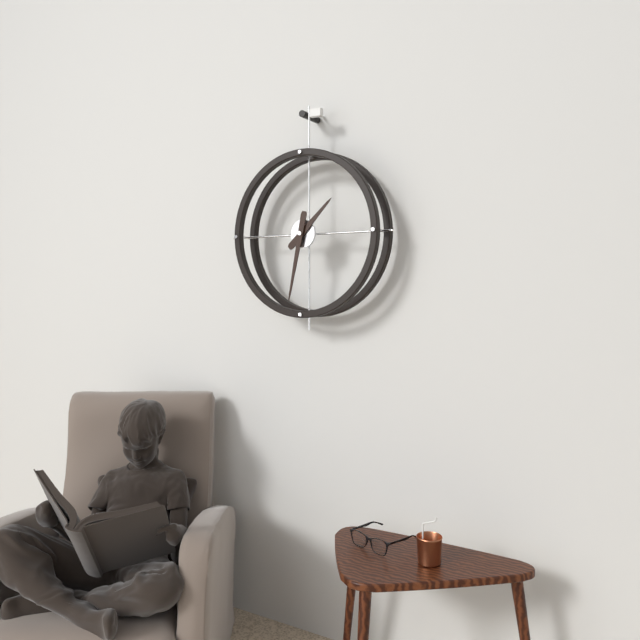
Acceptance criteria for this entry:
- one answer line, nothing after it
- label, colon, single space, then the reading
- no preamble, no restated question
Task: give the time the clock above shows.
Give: 1:32
